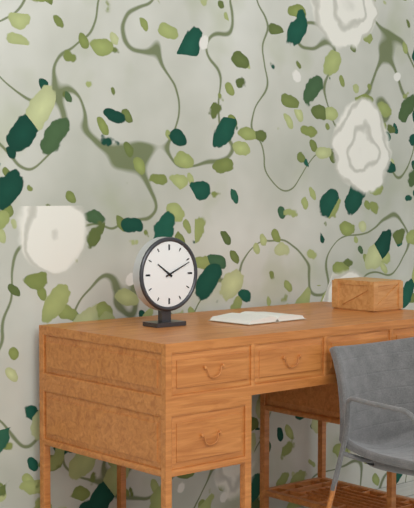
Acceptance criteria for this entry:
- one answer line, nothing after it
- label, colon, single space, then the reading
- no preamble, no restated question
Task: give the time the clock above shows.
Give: 10:11
